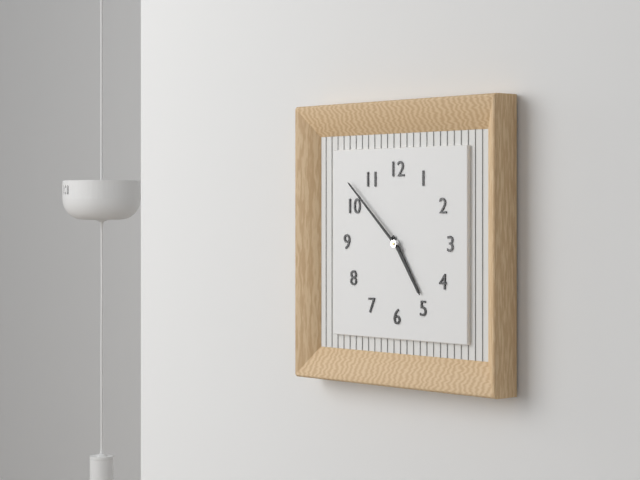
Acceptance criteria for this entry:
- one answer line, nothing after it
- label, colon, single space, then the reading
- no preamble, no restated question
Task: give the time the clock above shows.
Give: 4:52
